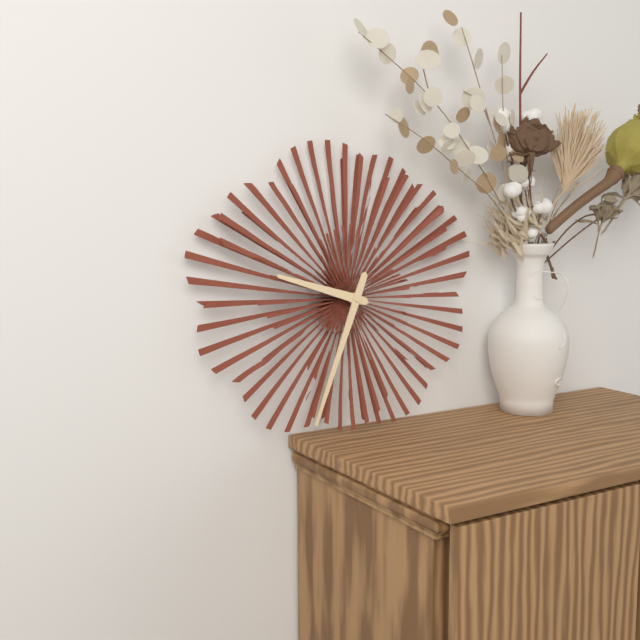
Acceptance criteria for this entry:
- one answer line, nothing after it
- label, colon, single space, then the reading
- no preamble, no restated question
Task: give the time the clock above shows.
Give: 9:34
